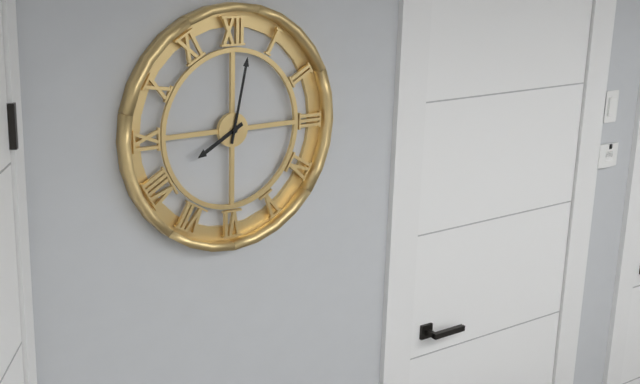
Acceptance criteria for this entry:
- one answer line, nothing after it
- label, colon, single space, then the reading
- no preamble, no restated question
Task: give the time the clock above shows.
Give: 8:02
